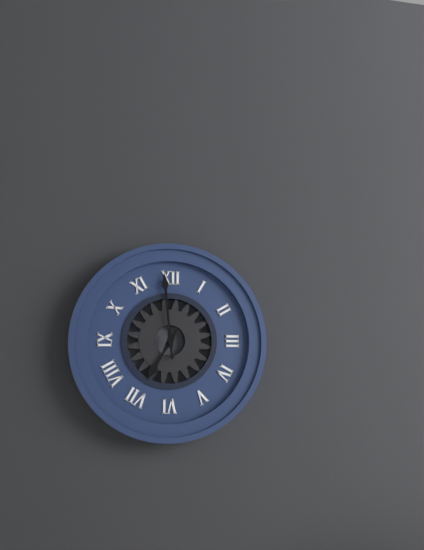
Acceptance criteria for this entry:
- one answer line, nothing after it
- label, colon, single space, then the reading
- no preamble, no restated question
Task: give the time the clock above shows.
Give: 6:59
